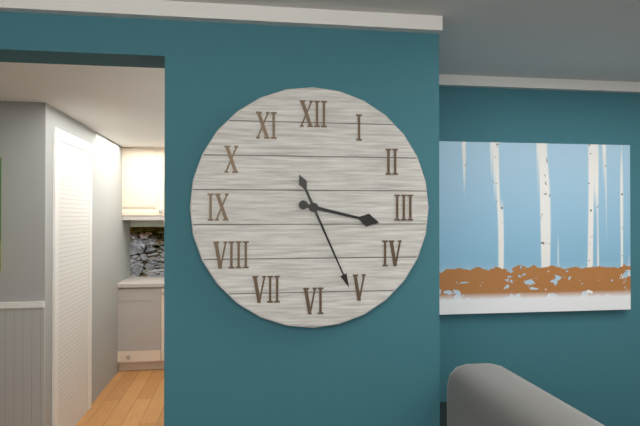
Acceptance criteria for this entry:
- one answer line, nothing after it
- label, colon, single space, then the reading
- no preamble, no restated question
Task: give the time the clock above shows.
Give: 3:26
